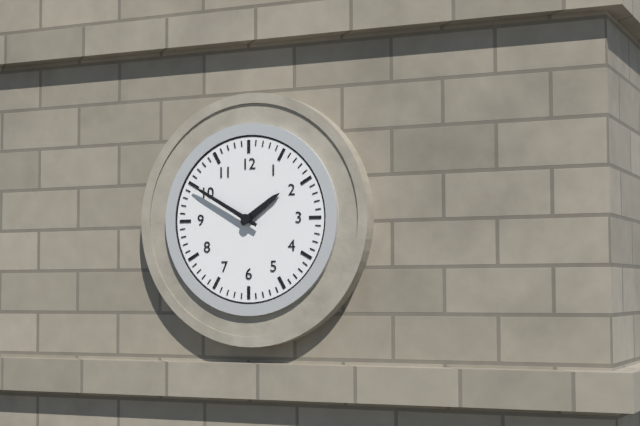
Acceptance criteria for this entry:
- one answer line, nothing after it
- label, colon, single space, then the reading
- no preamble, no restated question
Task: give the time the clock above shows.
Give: 1:50
